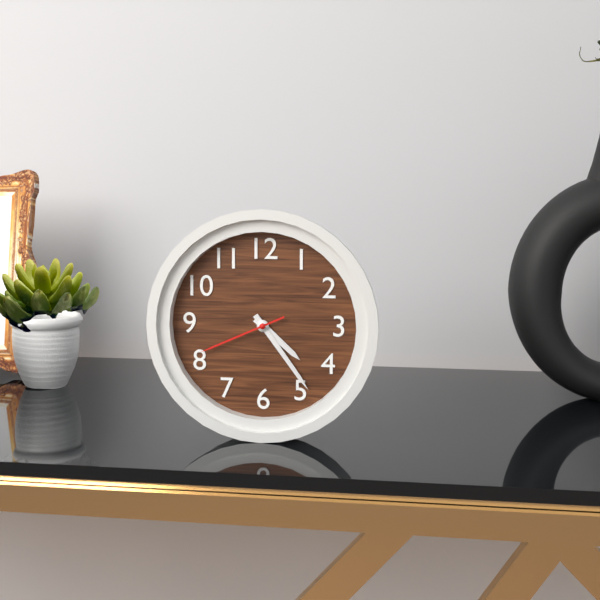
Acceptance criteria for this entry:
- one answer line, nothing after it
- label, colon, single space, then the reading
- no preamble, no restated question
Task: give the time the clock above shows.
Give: 4:24:41
